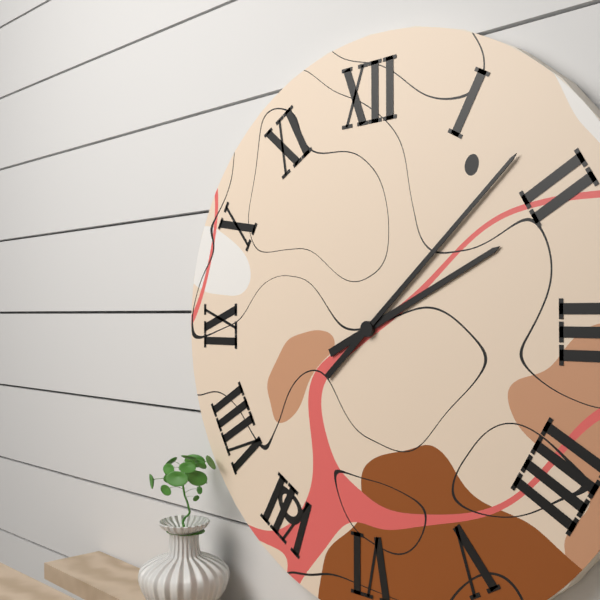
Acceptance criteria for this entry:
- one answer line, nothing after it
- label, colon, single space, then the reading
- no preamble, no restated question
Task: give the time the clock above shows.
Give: 2:08
